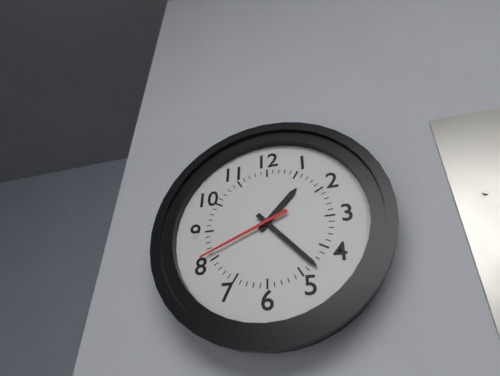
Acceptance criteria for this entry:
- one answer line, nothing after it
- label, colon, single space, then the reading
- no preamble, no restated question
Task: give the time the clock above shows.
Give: 1:23:41
